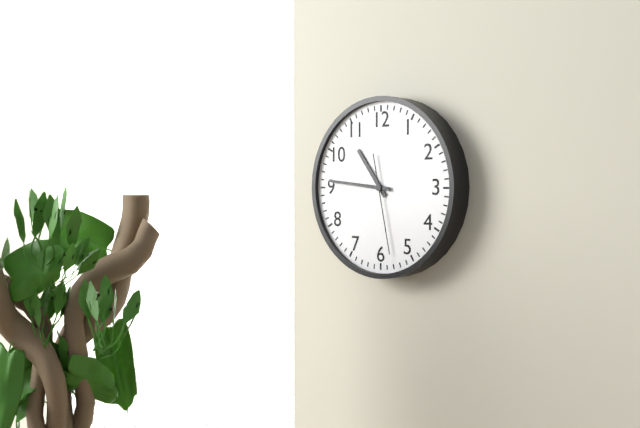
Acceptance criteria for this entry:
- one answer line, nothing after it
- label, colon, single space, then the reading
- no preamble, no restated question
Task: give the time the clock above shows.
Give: 10:46:28
